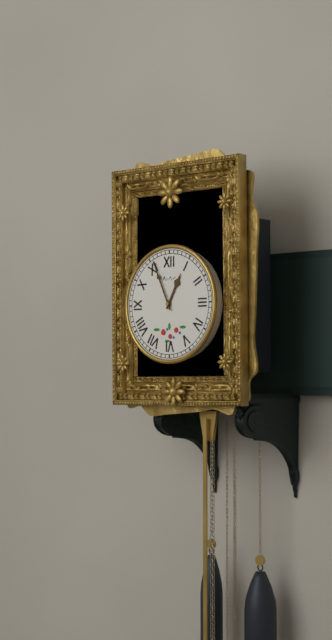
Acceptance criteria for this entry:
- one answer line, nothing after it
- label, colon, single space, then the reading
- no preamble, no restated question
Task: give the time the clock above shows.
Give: 12:56
